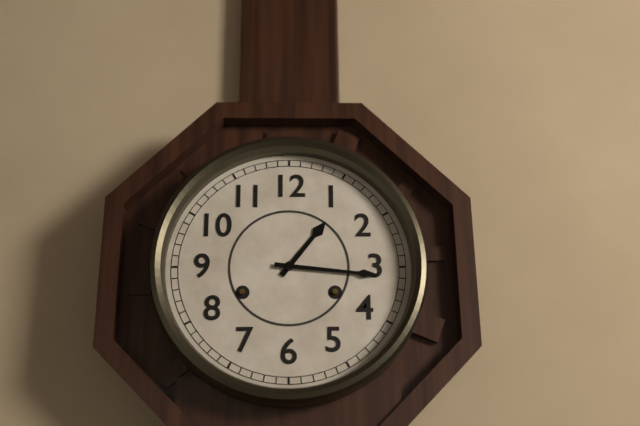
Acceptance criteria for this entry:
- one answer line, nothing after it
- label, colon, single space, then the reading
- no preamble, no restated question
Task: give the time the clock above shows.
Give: 1:16
